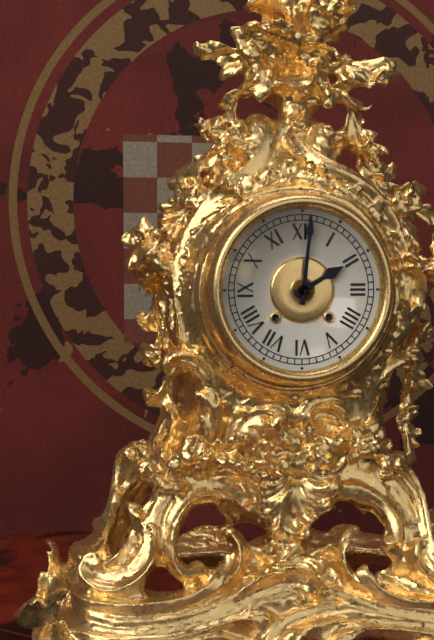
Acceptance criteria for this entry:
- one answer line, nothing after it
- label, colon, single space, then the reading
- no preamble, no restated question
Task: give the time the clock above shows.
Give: 2:01
